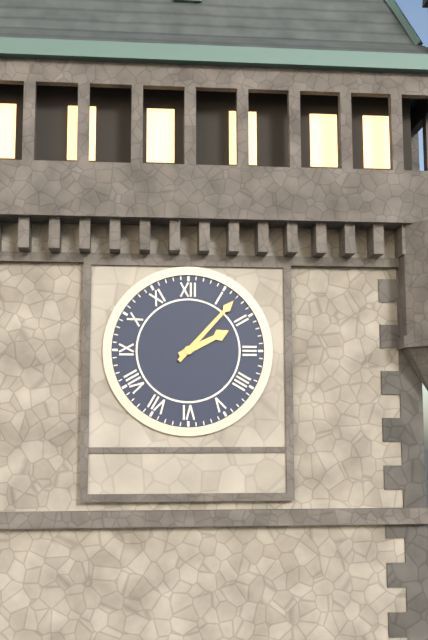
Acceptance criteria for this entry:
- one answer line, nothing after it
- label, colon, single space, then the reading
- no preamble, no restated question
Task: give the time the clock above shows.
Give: 2:07
